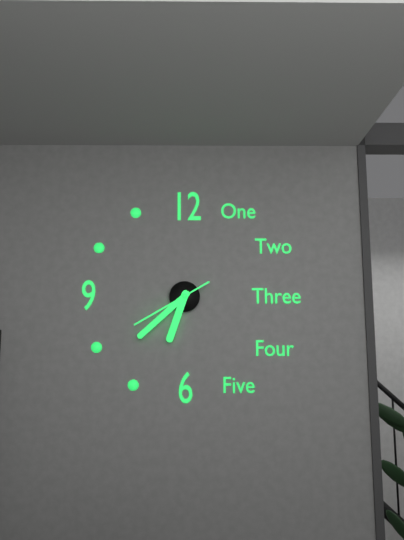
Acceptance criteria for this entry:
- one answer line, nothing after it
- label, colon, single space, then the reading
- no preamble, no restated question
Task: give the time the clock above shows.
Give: 6:38:40
